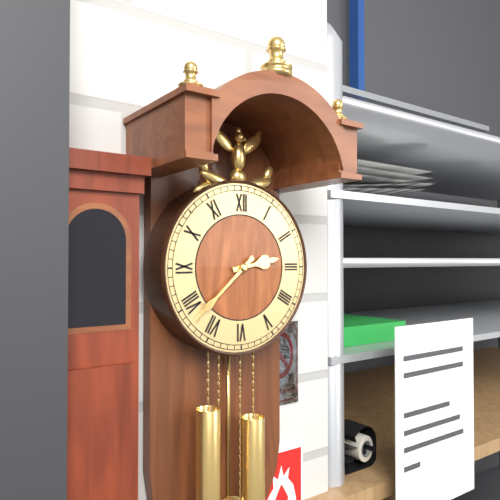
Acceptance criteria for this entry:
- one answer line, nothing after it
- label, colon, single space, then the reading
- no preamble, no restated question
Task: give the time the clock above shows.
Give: 2:38
